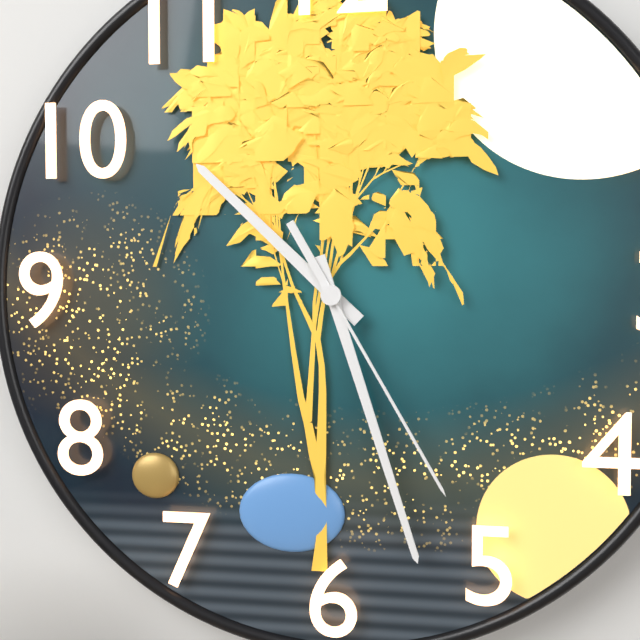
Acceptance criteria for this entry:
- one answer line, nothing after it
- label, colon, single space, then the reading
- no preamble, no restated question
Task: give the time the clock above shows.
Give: 10:27:25
